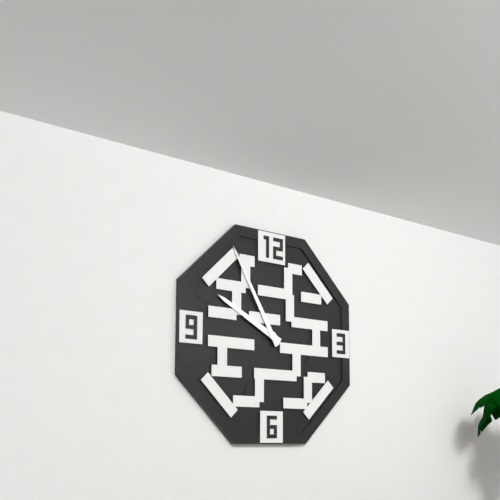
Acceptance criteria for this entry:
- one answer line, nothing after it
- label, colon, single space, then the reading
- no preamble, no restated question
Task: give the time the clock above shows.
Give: 9:55
